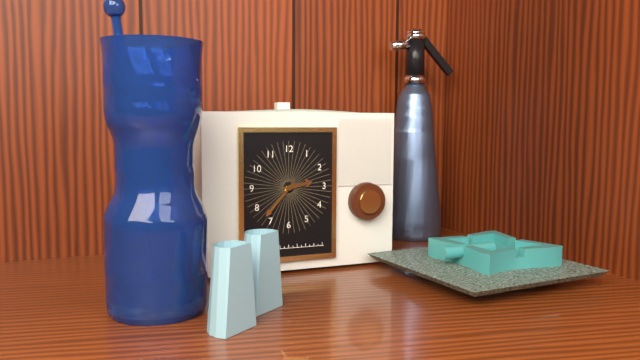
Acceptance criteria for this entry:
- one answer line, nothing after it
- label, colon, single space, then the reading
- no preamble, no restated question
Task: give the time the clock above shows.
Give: 2:37
